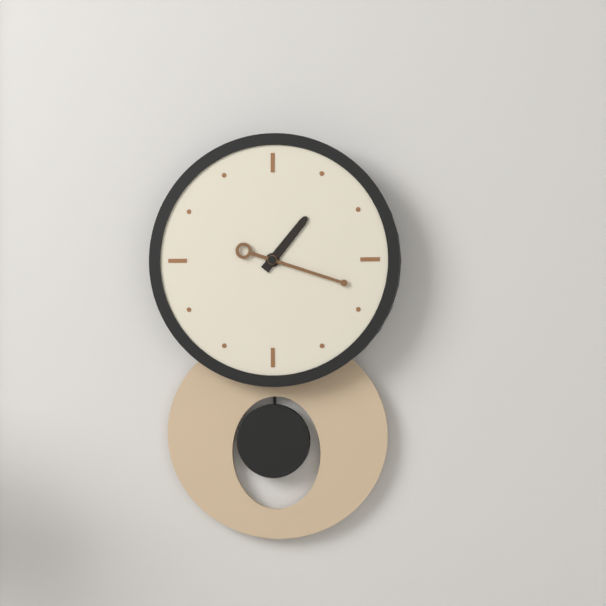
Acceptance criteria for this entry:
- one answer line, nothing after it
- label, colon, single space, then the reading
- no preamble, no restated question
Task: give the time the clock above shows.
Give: 1:18
